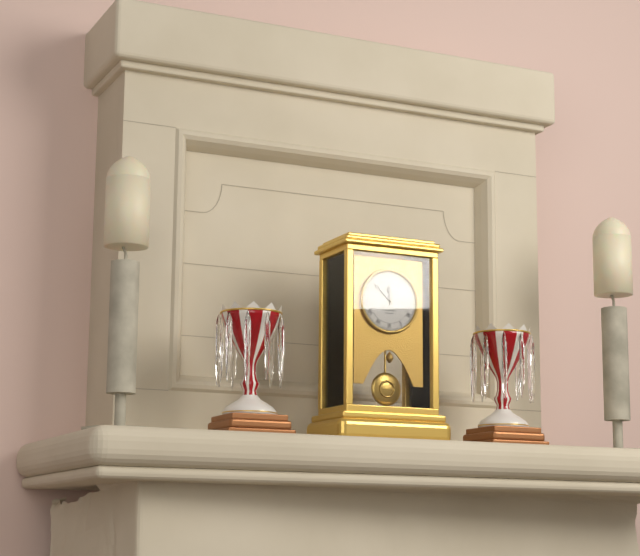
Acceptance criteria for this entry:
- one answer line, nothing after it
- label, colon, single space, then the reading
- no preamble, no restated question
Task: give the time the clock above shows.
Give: 11:52
